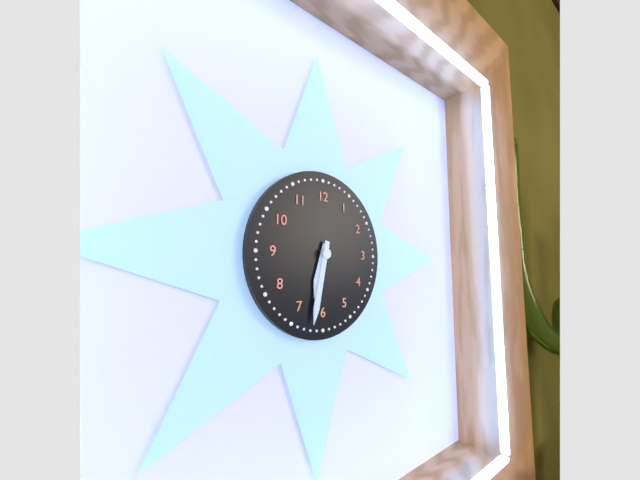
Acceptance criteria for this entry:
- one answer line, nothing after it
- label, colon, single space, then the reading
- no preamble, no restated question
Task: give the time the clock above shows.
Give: 6:32
